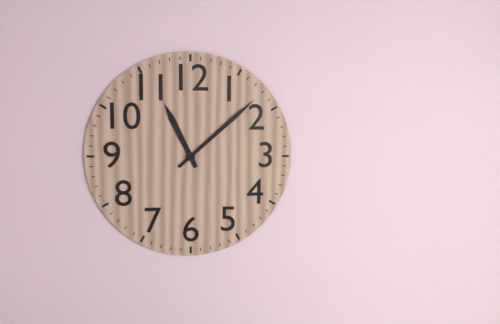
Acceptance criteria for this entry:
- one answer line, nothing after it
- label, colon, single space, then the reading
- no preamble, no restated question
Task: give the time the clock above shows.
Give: 11:08
